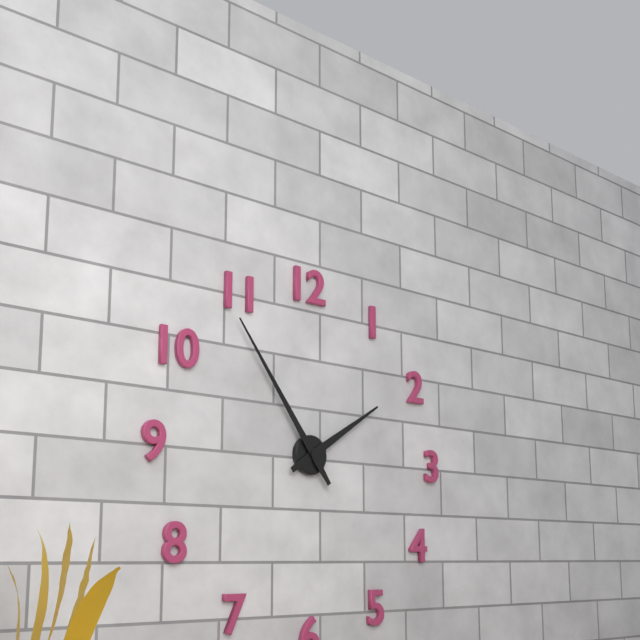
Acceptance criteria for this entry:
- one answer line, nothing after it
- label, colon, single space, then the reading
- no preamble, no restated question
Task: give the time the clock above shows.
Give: 1:54
